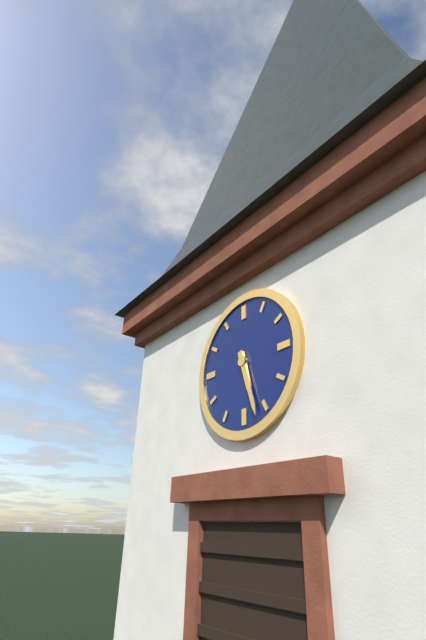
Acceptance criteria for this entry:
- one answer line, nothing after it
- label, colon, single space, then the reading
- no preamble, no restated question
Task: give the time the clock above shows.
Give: 5:27
